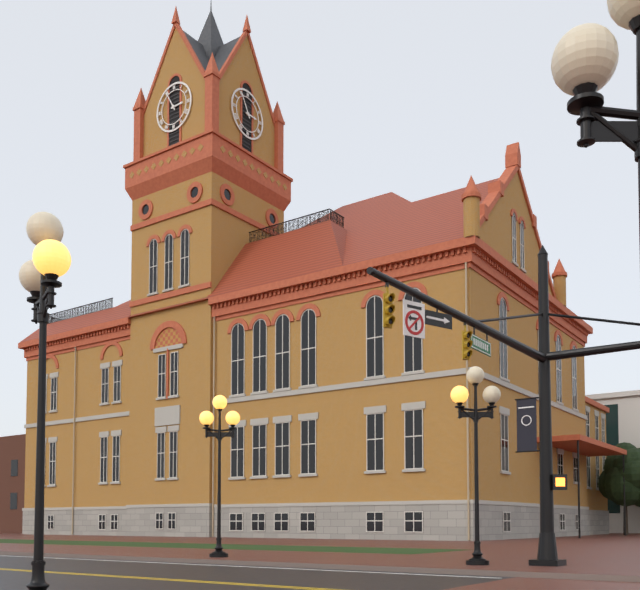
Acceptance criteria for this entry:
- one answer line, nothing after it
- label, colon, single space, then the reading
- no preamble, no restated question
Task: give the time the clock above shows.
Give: 2:55
